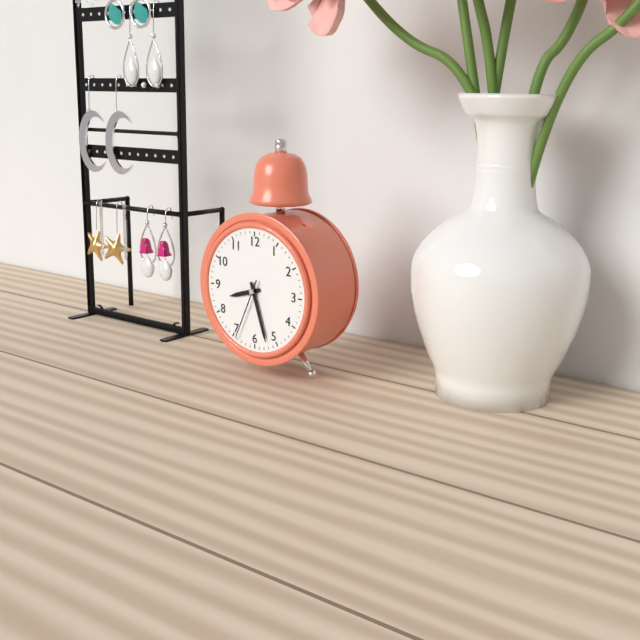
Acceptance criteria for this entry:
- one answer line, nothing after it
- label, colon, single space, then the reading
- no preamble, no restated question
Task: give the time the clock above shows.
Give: 8:27:34
